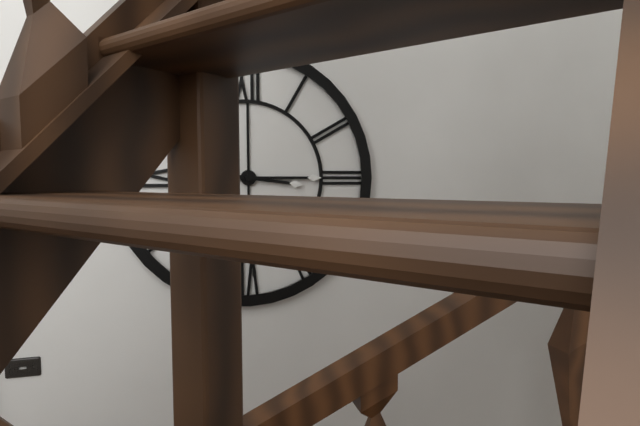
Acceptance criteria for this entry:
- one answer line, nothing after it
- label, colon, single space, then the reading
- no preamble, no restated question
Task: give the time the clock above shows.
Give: 3:15
